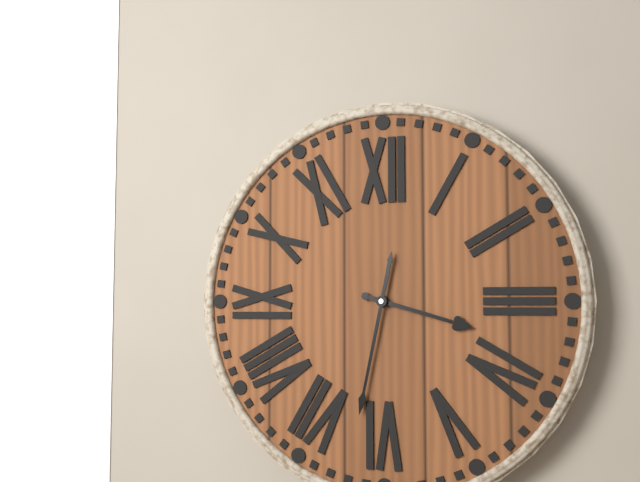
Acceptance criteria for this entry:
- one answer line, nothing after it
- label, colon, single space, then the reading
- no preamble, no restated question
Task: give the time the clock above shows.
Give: 3:32
